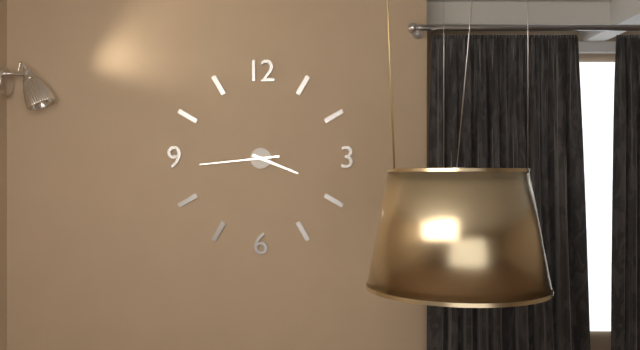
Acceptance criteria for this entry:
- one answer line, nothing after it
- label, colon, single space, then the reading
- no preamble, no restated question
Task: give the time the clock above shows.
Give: 3:44
